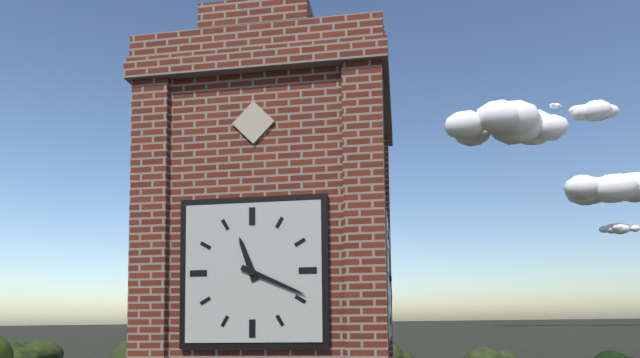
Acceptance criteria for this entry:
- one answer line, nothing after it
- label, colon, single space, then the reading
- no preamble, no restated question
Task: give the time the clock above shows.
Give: 11:19
